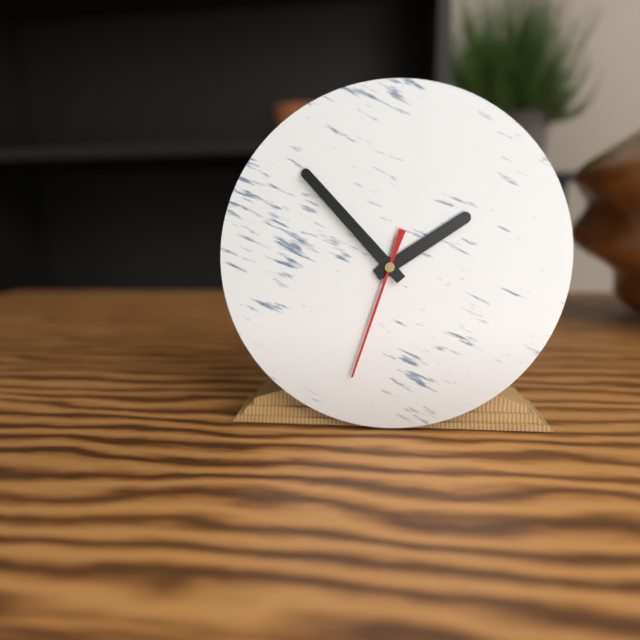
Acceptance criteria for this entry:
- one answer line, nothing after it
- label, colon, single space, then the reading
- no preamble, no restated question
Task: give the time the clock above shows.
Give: 1:53:33
